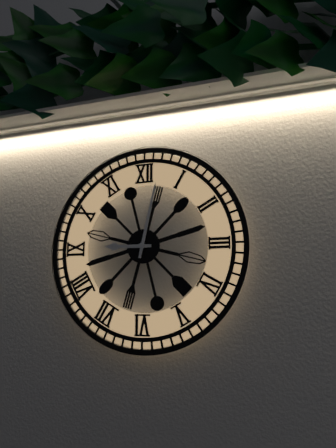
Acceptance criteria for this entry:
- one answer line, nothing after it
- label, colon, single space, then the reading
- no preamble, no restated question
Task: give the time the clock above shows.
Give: 9:02
